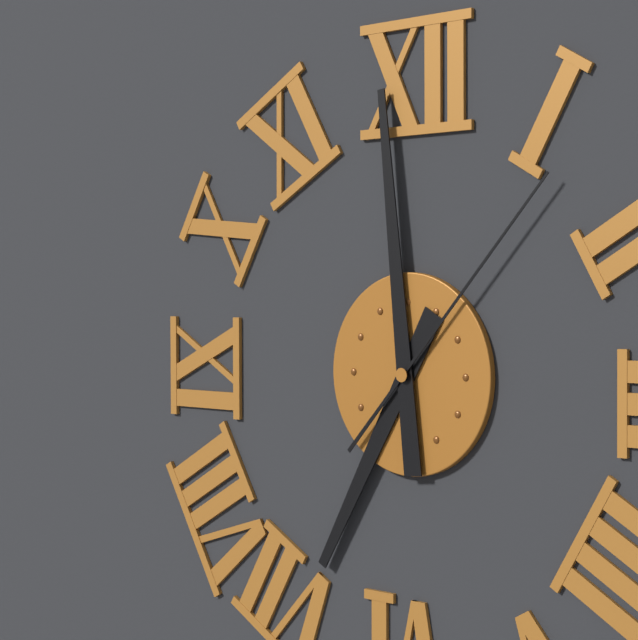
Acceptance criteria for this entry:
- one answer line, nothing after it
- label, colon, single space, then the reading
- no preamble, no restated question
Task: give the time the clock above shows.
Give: 6:59:07
